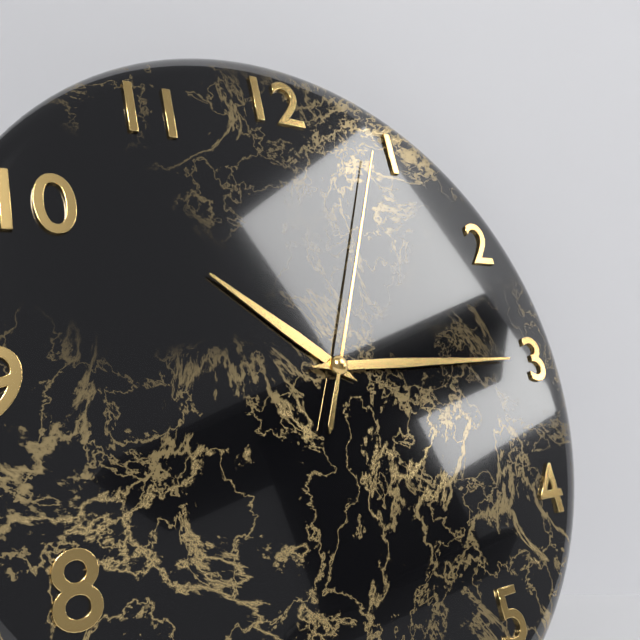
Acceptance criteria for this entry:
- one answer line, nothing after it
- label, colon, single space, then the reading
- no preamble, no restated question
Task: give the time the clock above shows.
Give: 10:15:04
